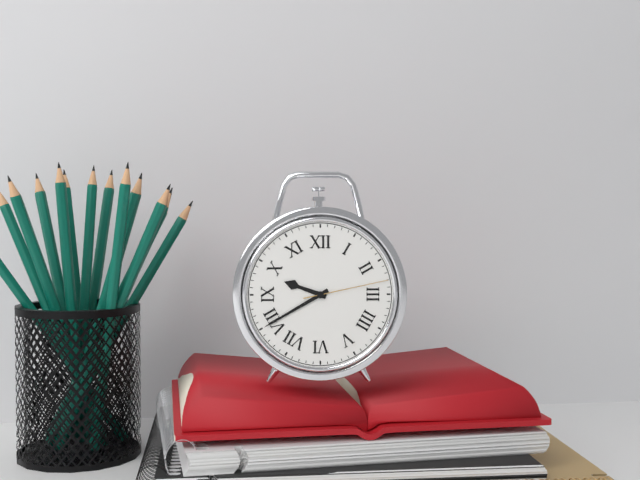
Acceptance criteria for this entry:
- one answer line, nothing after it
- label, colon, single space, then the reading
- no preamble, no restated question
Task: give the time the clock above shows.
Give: 9:40:13
